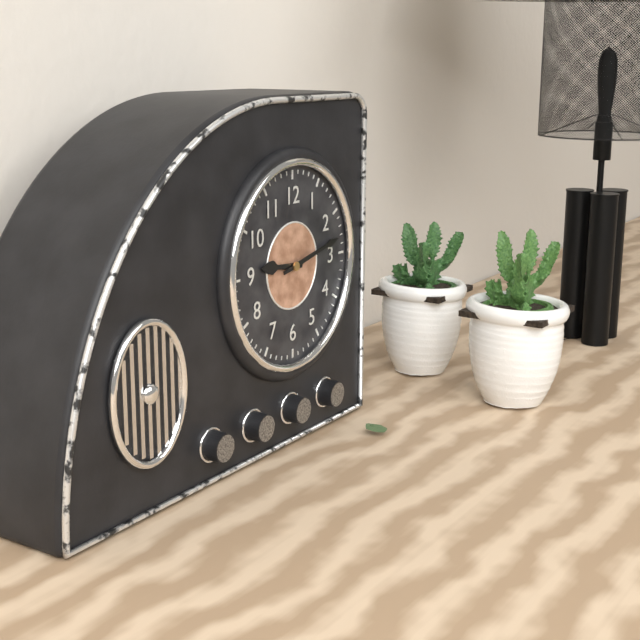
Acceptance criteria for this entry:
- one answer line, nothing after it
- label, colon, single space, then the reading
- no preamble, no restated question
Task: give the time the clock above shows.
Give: 9:13
